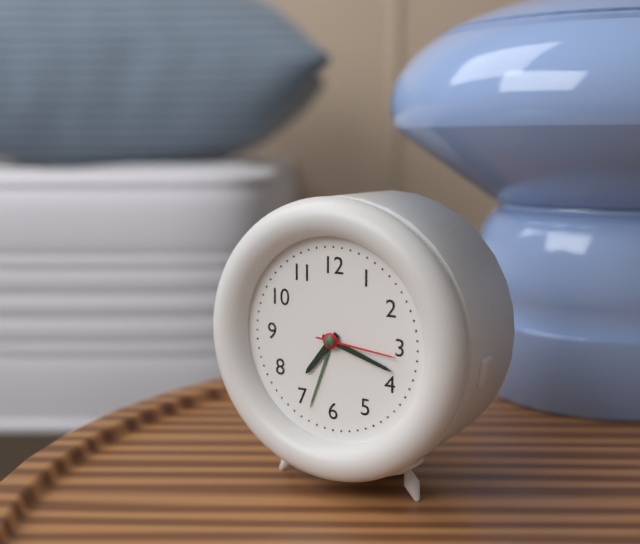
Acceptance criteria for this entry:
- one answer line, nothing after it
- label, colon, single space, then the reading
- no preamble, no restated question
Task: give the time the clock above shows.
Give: 7:18:16
